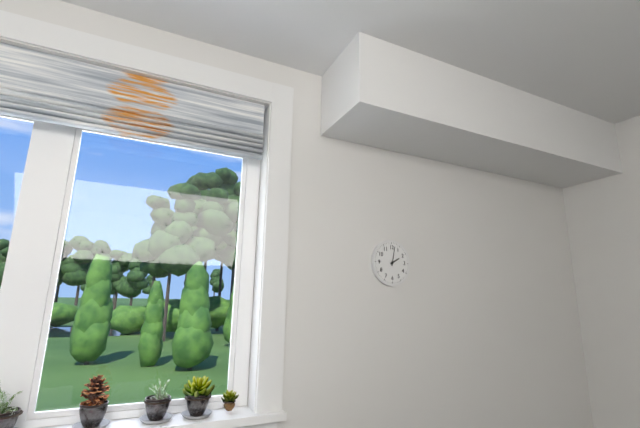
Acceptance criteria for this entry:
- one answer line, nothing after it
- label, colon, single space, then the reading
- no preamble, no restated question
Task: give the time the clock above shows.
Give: 2:02
